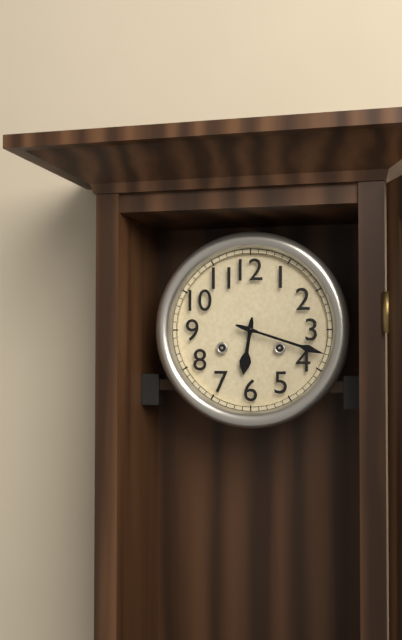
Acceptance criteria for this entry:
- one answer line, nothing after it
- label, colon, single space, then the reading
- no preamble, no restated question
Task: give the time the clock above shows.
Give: 6:18
